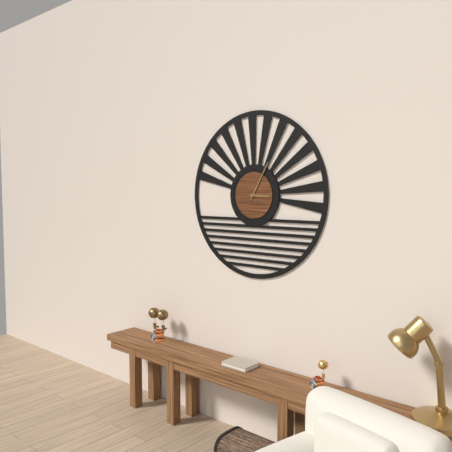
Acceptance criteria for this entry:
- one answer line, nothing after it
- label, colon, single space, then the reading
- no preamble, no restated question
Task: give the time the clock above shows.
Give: 3:05
